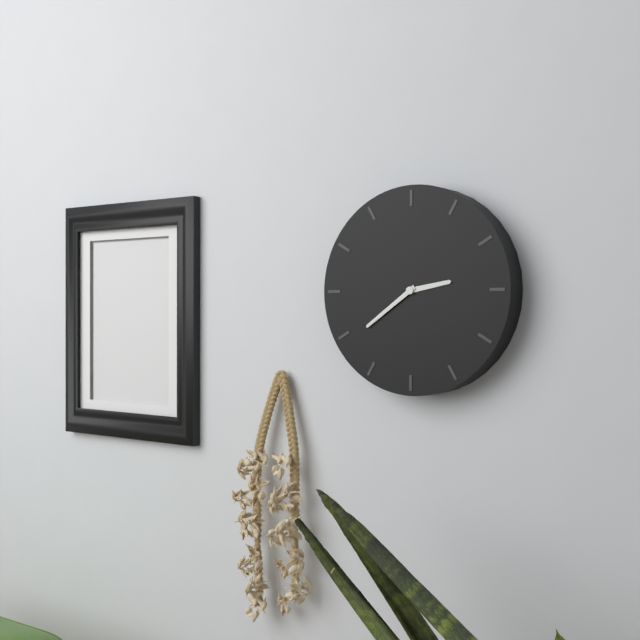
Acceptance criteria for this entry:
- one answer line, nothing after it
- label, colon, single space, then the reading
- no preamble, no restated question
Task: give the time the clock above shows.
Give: 2:39
